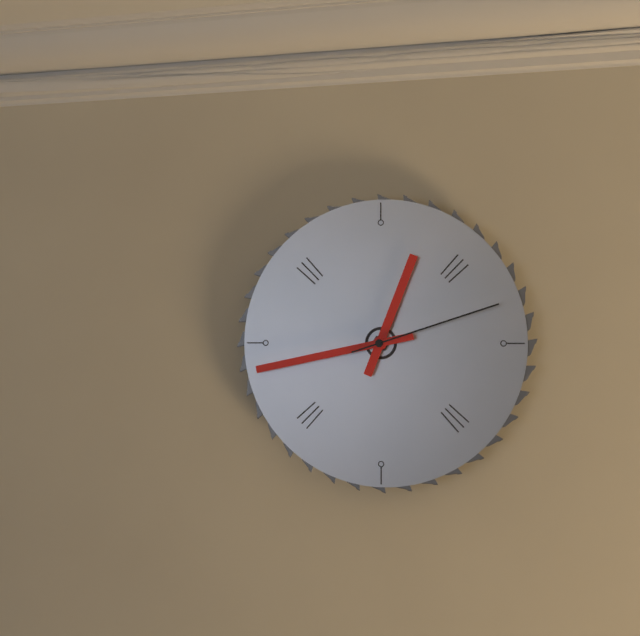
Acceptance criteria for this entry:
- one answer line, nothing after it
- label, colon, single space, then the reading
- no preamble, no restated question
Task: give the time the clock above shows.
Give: 12:43:12
